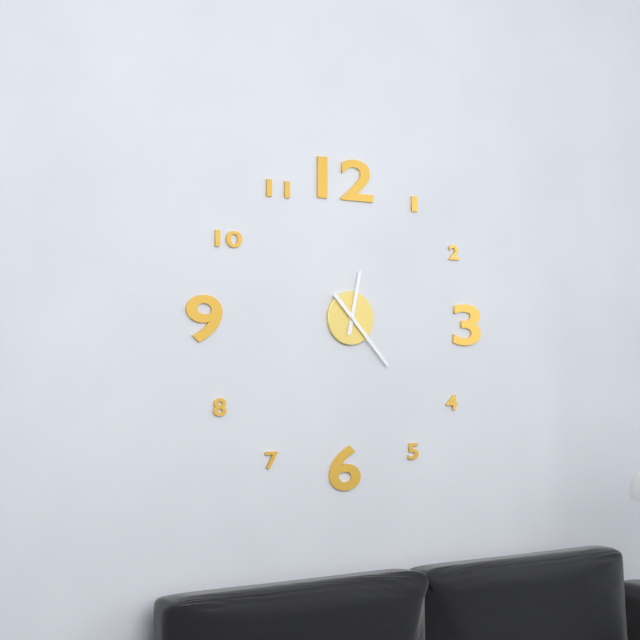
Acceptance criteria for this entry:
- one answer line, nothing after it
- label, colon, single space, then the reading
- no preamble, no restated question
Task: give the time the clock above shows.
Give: 12:23
